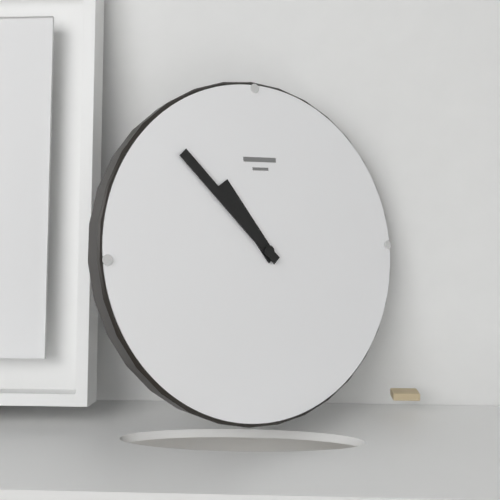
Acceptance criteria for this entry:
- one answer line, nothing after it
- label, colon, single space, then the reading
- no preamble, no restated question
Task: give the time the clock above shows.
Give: 10:53
